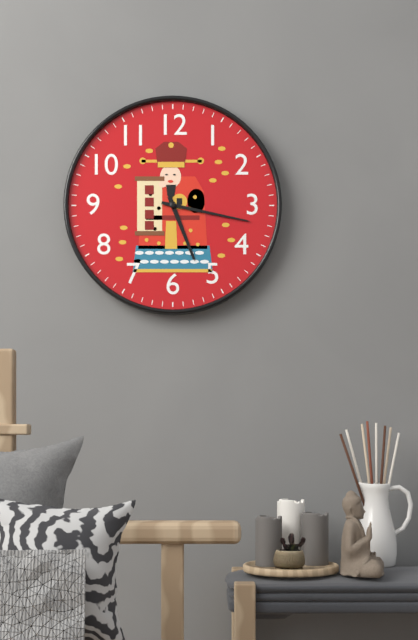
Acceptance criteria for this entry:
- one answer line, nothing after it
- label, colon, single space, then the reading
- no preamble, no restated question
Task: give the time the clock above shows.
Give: 5:17
